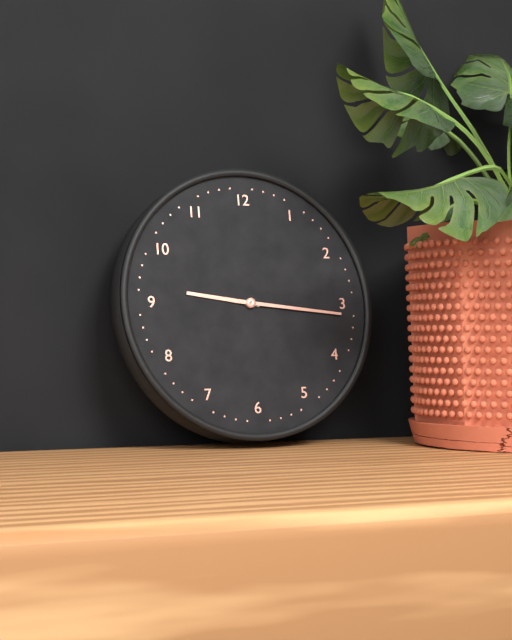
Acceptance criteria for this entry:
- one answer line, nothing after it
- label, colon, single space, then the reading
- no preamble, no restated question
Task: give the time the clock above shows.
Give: 9:16
